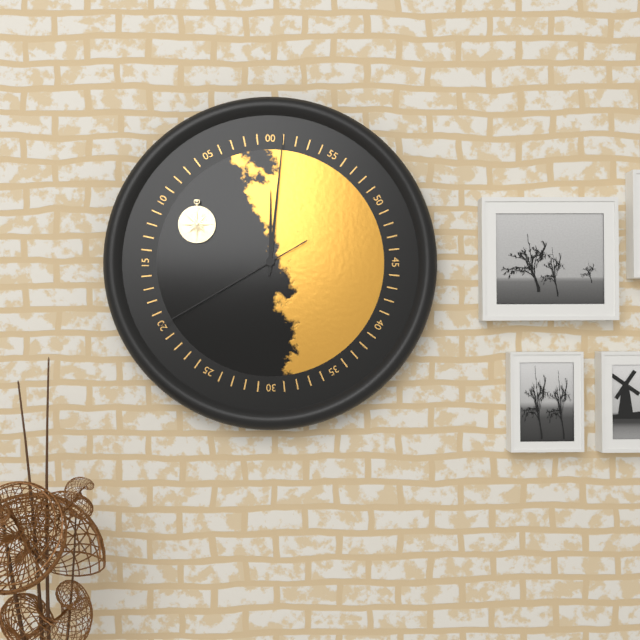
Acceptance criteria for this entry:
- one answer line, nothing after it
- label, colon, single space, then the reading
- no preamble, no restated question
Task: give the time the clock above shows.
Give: 12:01:40
